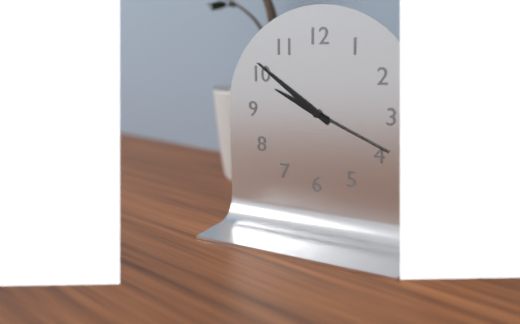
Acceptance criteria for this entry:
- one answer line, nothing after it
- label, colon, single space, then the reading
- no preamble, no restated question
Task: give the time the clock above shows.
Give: 9:51:19
